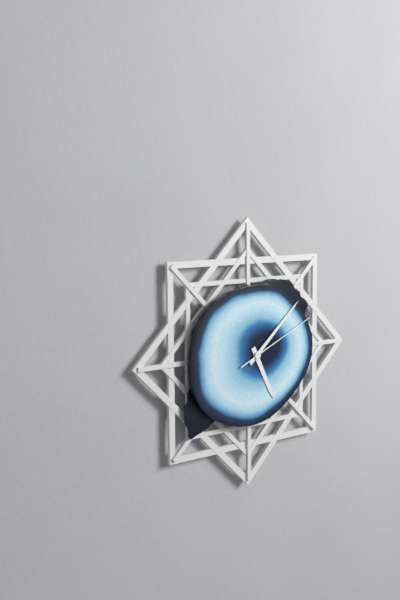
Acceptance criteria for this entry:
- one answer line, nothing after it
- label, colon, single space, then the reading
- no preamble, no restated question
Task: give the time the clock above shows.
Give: 5:08:11
